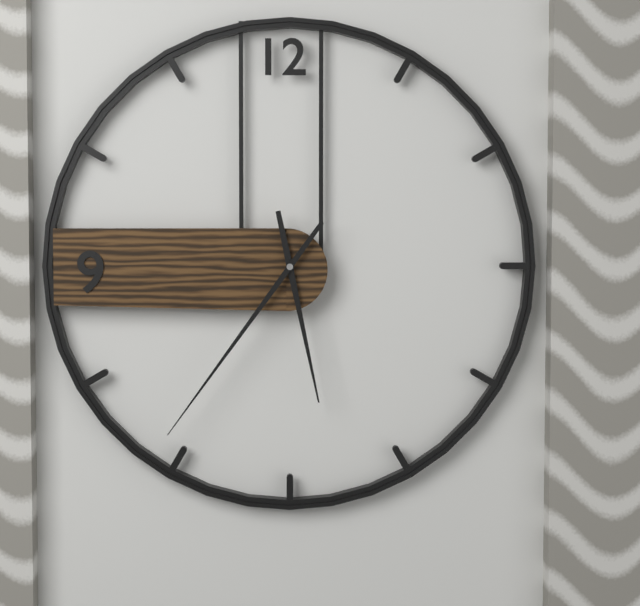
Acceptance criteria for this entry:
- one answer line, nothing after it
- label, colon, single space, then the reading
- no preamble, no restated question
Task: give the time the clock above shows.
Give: 5:36
